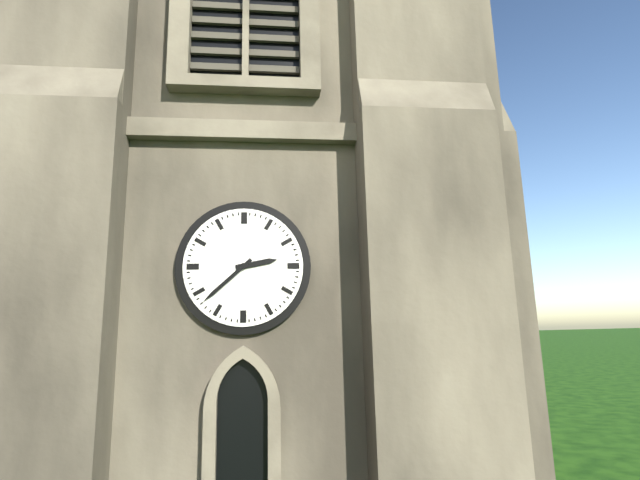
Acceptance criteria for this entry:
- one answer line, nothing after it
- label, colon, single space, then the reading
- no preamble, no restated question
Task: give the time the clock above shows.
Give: 2:38
